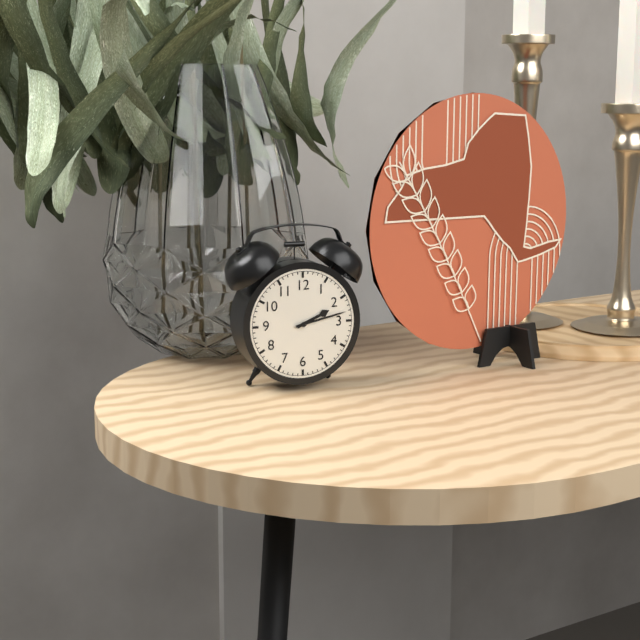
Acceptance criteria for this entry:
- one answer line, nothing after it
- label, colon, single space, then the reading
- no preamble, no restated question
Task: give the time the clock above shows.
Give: 2:13
